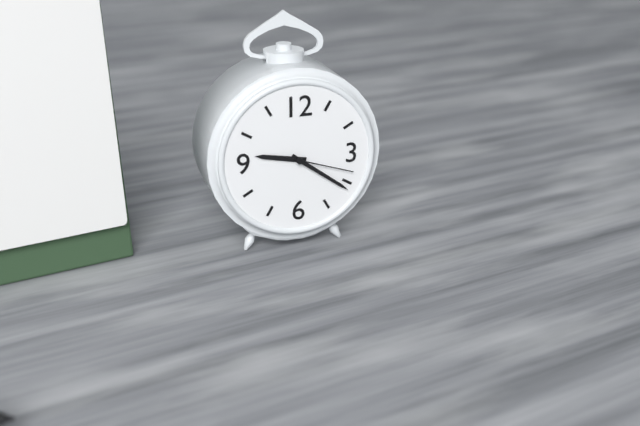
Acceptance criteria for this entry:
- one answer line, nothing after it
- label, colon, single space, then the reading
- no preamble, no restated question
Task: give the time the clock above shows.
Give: 9:21:18
